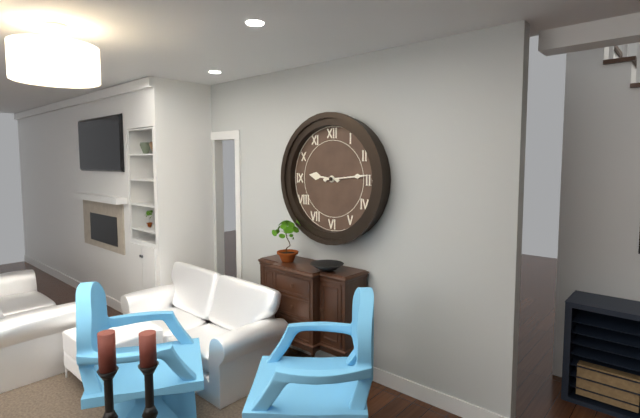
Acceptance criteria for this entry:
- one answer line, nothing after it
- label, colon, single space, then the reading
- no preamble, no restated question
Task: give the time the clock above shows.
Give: 9:14
